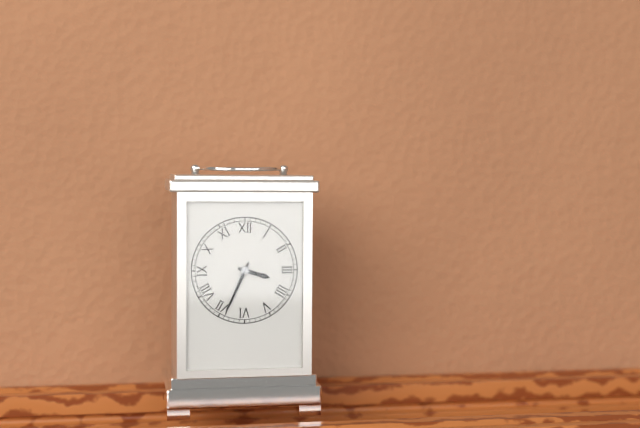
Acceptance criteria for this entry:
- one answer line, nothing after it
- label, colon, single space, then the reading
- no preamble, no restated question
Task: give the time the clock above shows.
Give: 3:34
